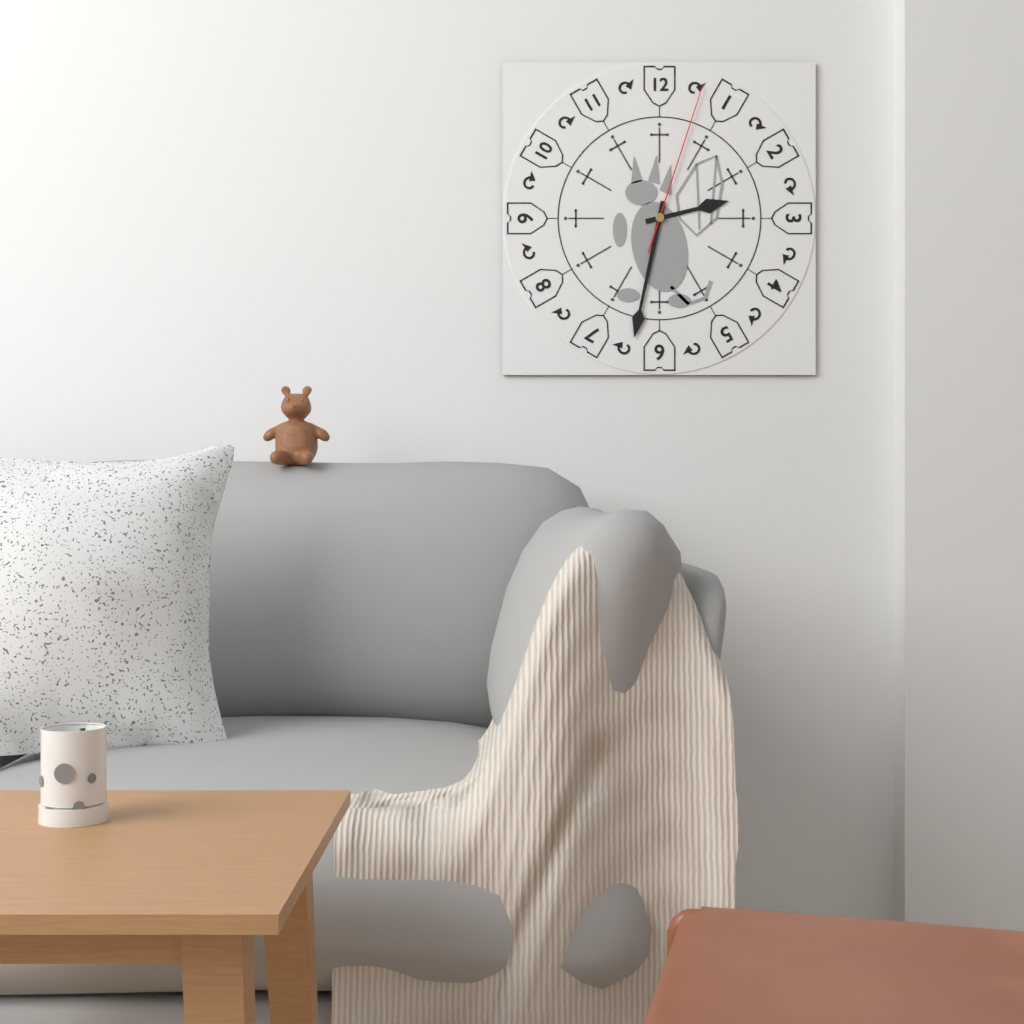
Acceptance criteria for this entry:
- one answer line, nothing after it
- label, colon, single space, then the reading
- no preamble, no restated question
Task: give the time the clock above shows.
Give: 2:32:03
